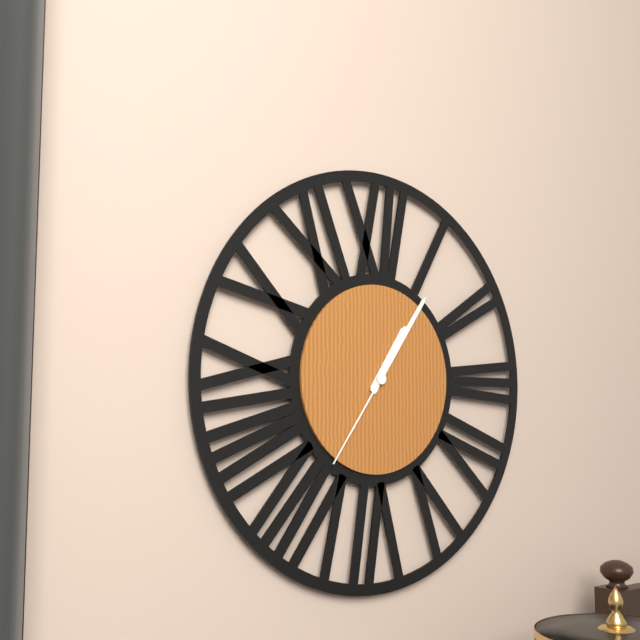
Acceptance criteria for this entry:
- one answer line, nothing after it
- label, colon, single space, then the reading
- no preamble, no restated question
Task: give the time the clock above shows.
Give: 1:06:36
